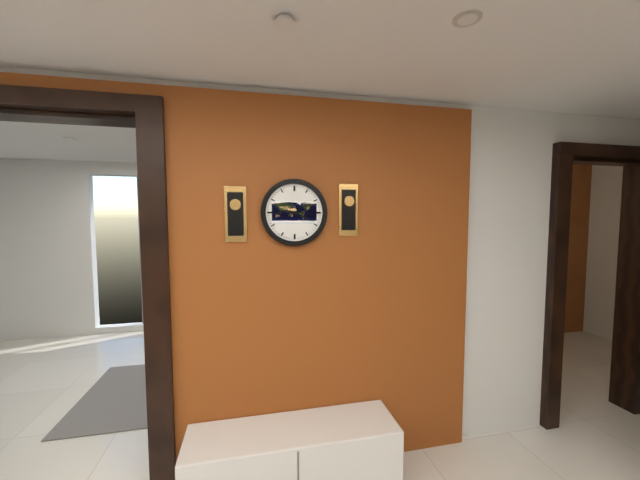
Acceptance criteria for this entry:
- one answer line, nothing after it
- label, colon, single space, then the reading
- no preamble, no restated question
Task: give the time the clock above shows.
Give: 9:19
